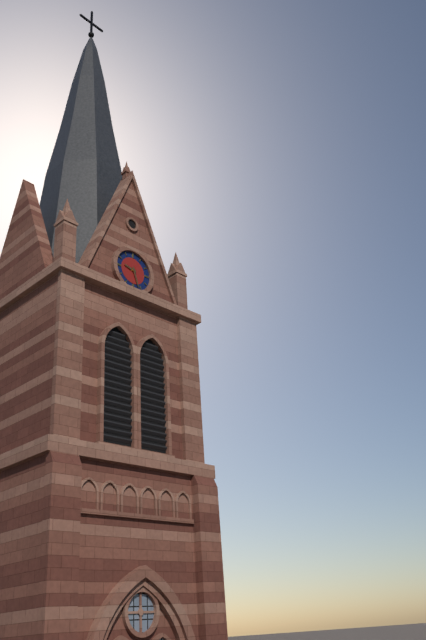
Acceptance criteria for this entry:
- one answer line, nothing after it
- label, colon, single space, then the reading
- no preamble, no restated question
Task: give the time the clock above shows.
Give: 9:27
